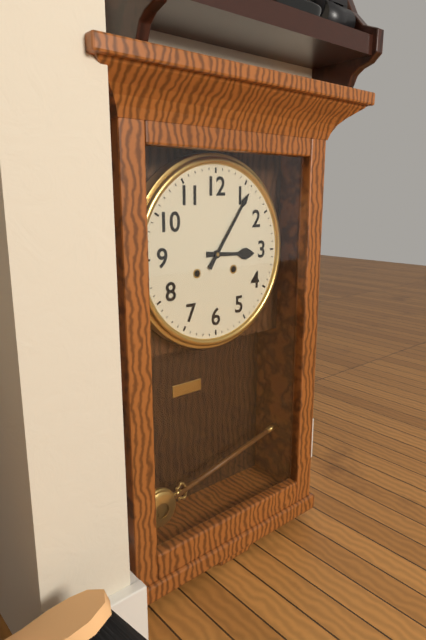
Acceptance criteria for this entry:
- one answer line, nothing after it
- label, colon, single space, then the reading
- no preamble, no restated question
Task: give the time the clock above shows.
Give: 3:06
